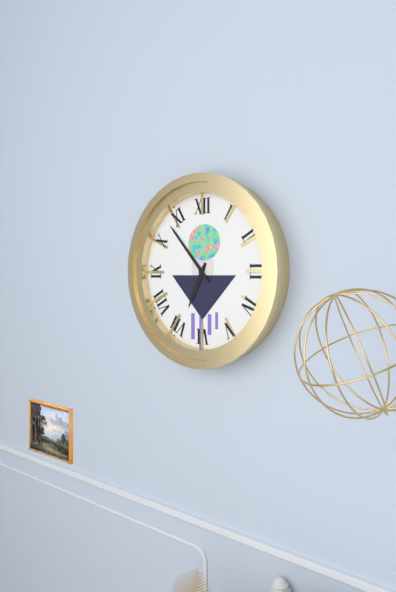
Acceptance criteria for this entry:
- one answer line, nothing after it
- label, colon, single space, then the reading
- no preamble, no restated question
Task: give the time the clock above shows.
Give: 6:53
